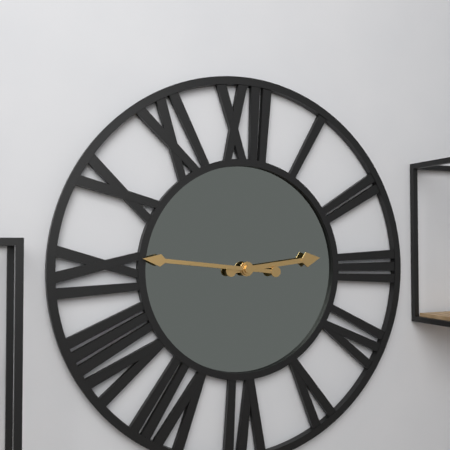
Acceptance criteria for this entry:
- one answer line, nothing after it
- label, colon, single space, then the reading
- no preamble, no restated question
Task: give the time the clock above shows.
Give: 2:46
